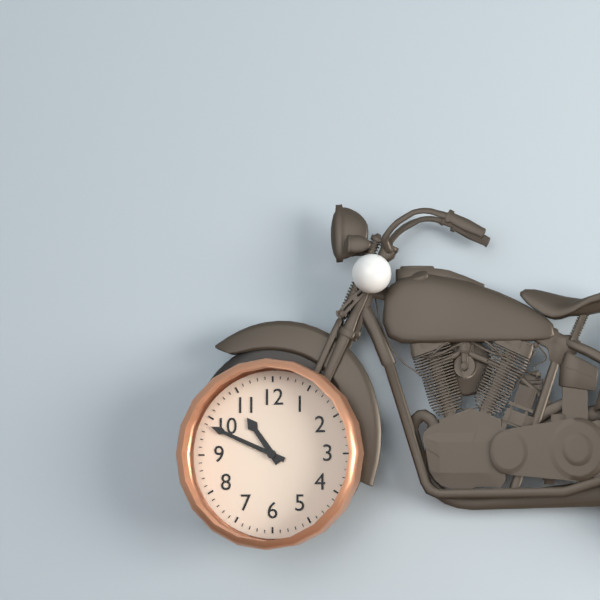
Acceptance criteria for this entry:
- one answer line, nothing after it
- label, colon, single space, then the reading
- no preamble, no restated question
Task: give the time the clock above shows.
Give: 10:49
